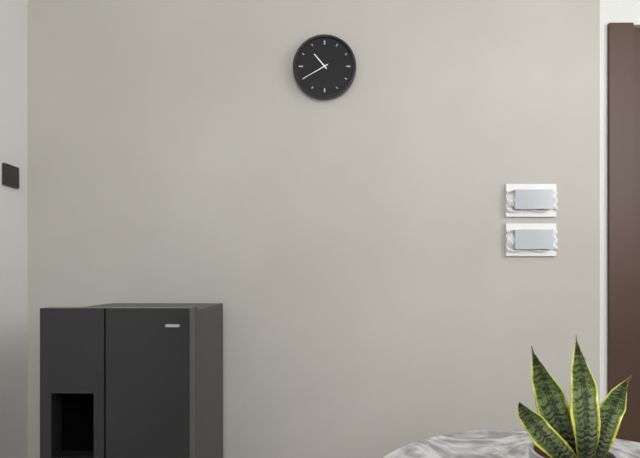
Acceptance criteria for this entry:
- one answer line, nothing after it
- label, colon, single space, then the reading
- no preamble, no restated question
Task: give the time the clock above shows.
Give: 10:40
